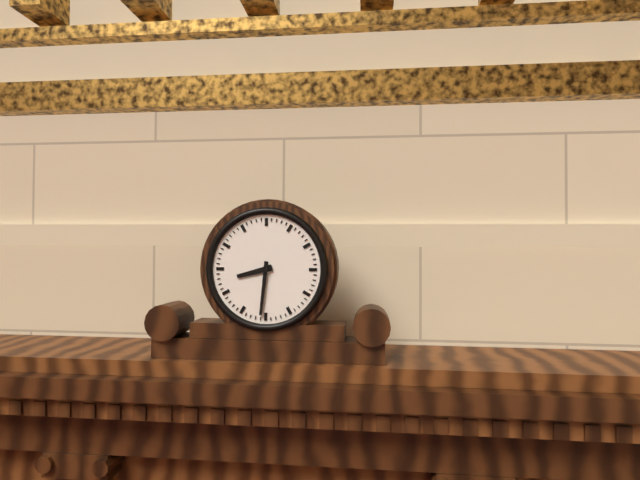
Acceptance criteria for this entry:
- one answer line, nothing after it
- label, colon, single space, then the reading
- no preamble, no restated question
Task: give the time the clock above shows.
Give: 8:31
